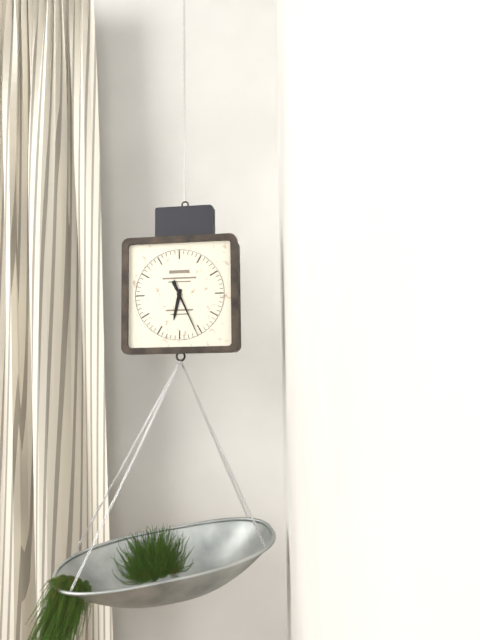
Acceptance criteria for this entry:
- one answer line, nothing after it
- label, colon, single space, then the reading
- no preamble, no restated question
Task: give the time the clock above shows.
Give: 6:26
